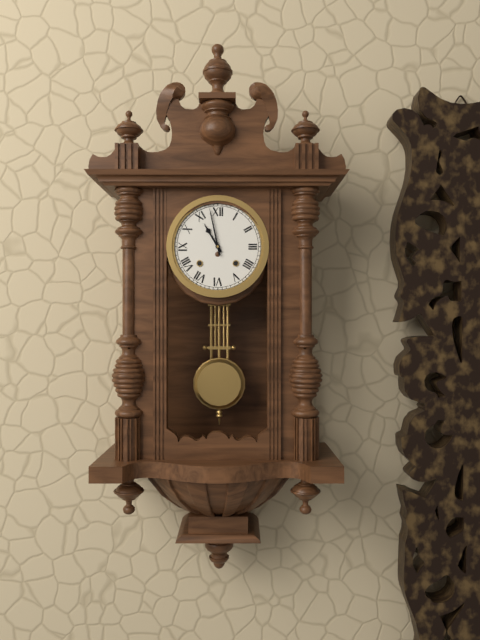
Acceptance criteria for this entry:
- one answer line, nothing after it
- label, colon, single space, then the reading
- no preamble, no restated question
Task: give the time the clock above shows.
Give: 10:58
